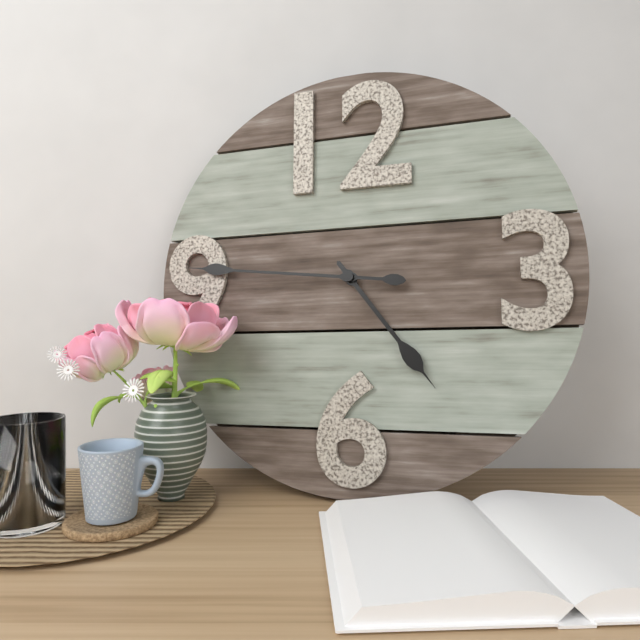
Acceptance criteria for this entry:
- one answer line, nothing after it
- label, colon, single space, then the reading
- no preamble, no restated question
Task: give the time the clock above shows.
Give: 4:46
